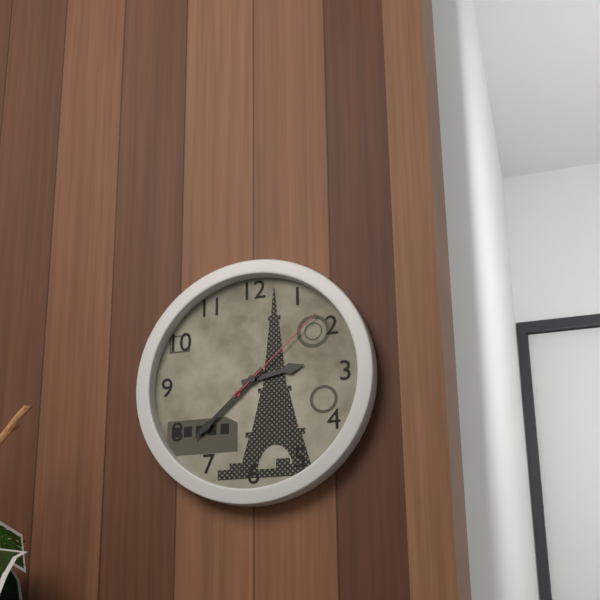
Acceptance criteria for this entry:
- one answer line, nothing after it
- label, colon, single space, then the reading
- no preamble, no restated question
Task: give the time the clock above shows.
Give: 2:38:08
